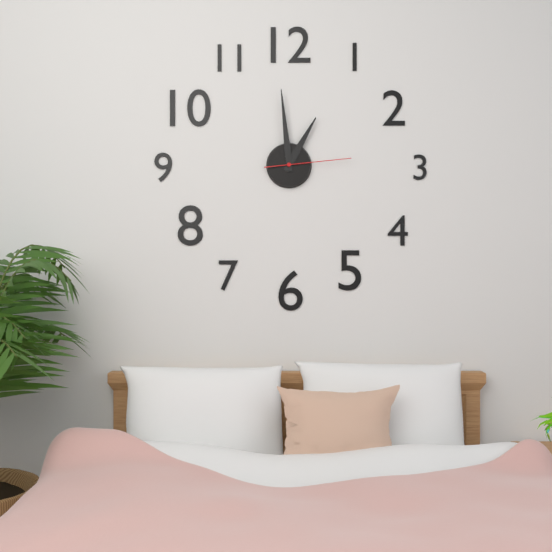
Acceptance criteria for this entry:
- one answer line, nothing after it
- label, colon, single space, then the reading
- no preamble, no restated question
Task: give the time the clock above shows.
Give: 12:59:14
